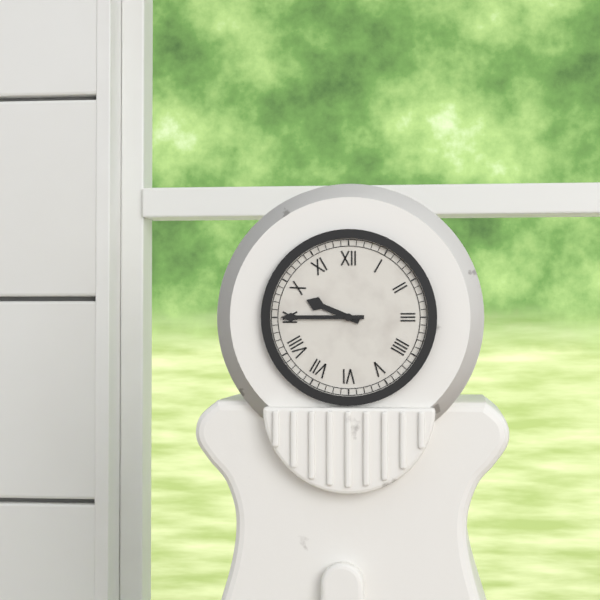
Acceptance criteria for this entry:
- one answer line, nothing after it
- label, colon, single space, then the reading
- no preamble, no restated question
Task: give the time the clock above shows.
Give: 9:45
